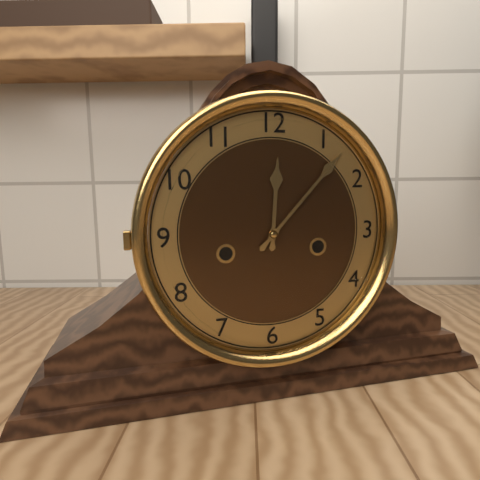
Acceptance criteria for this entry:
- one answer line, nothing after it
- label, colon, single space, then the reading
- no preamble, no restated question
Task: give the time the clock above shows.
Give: 12:07
